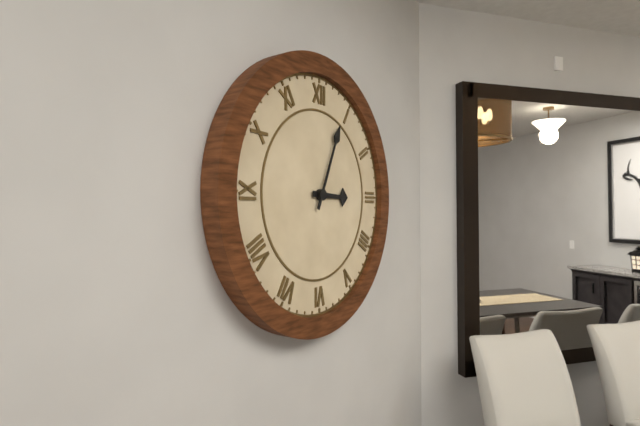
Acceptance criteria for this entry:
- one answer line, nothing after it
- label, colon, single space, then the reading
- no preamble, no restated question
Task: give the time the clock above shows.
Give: 3:04
